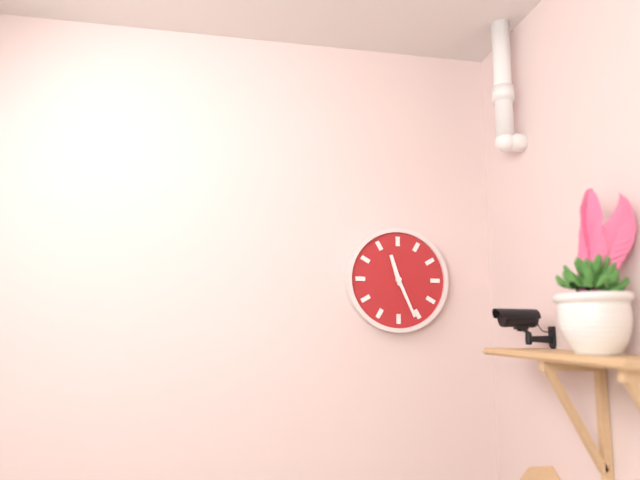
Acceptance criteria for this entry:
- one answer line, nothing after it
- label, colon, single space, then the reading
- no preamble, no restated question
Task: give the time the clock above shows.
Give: 11:26
